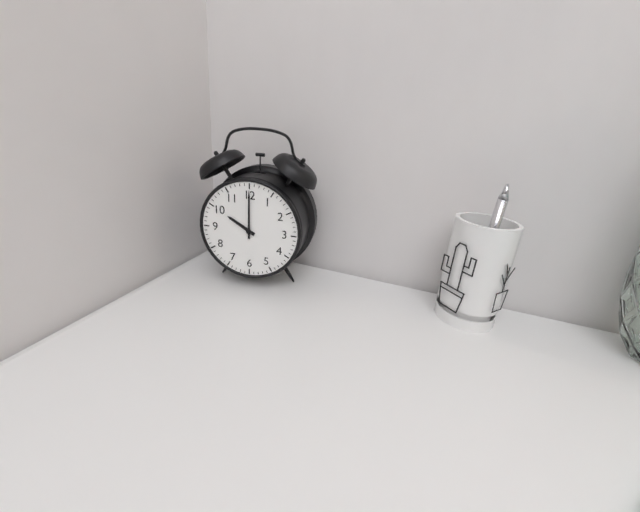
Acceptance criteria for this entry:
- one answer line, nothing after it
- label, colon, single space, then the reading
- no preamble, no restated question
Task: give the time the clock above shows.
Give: 10:00
